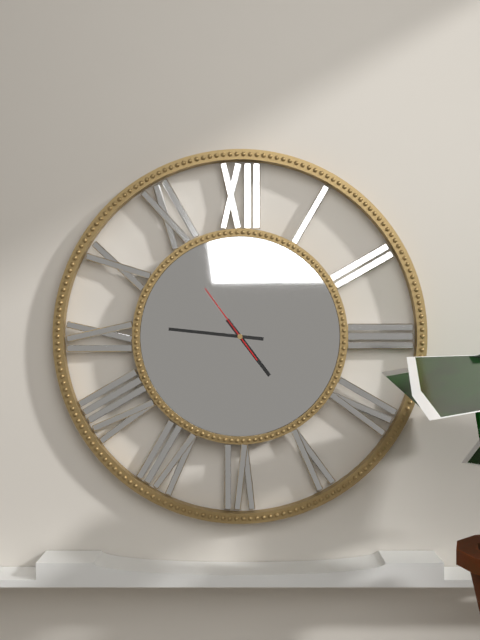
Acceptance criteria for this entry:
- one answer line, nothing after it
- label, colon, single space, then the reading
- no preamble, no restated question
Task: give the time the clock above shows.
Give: 4:46:54
